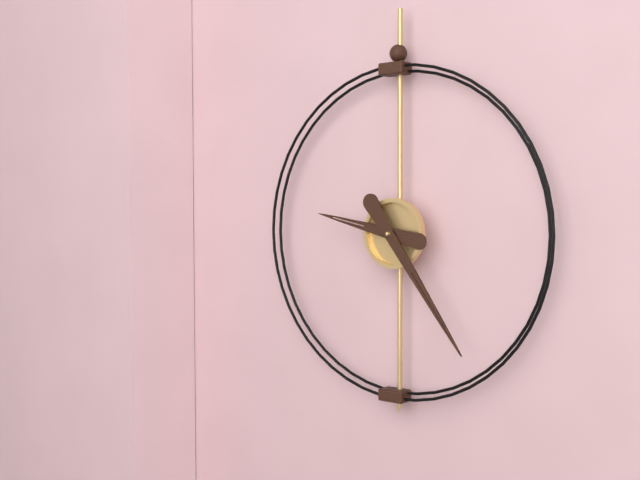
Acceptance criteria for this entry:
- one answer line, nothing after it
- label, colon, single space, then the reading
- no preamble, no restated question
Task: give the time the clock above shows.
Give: 9:24
